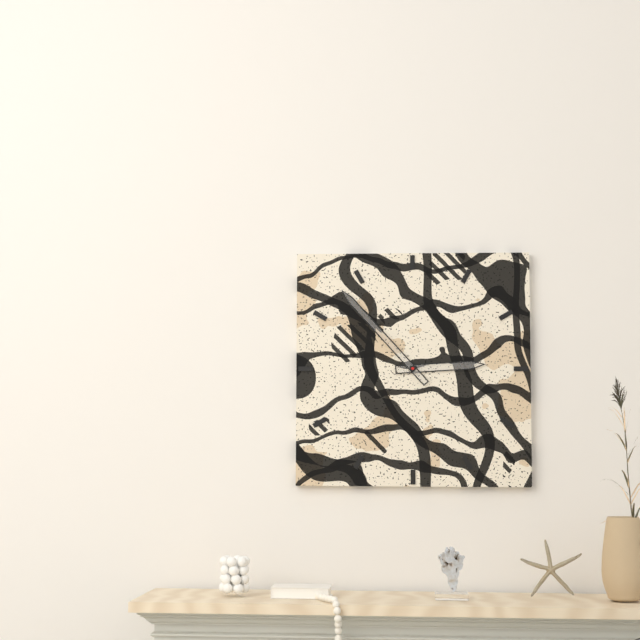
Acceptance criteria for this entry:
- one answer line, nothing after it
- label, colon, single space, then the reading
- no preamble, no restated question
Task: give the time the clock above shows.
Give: 2:53
